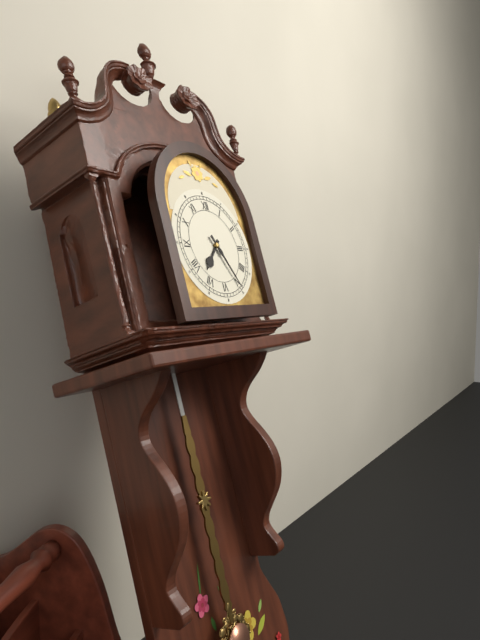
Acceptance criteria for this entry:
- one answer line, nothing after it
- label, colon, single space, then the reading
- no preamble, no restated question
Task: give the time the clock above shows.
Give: 7:25
